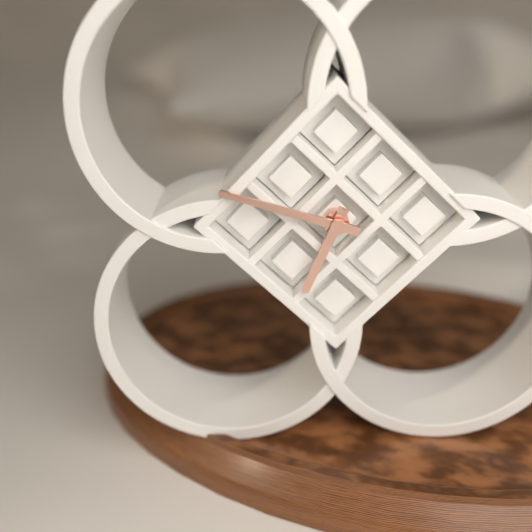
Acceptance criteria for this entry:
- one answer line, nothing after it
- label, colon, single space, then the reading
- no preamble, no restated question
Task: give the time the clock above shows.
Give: 6:48
